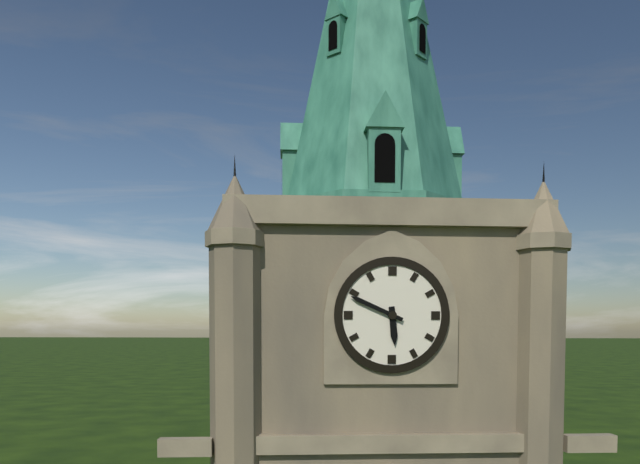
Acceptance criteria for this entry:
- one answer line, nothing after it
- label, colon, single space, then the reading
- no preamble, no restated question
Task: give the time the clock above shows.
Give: 5:49
